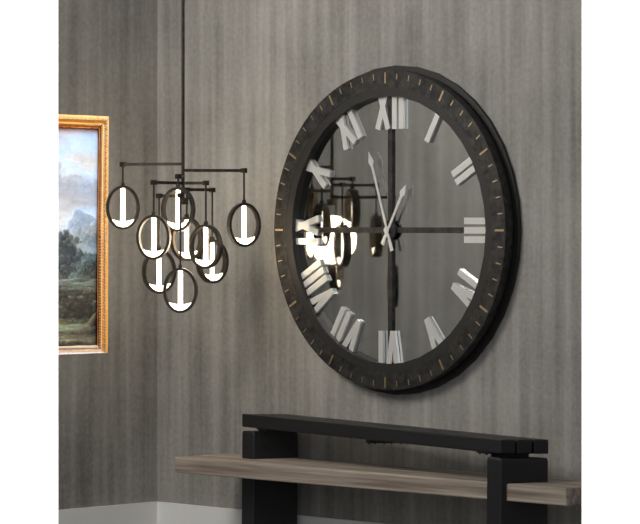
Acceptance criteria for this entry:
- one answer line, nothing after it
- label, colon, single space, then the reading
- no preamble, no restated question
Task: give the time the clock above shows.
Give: 12:57
